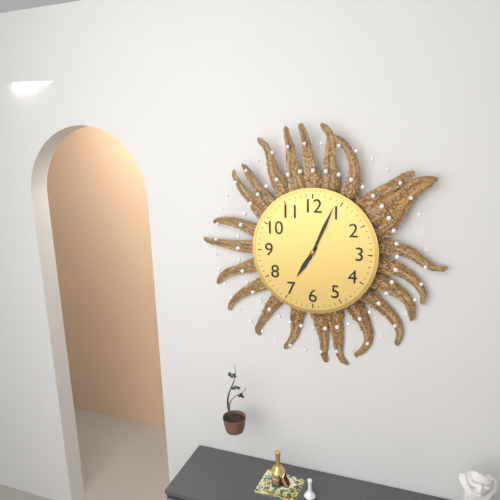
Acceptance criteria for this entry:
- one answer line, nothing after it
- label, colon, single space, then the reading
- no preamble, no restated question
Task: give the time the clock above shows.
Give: 7:04
